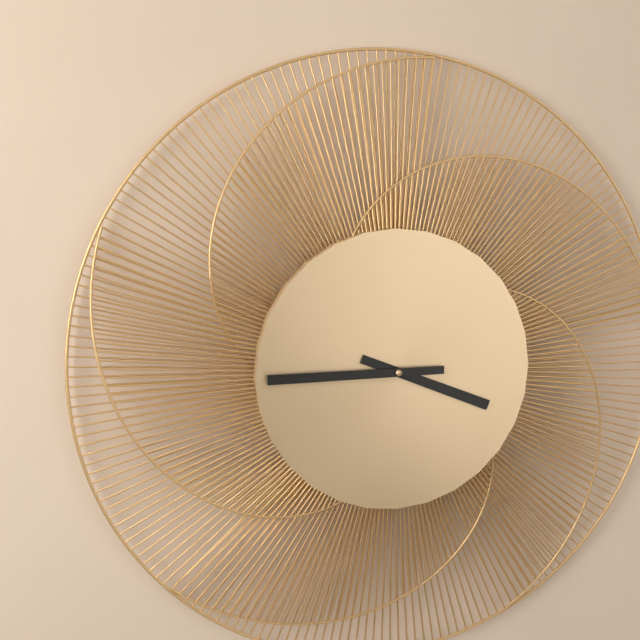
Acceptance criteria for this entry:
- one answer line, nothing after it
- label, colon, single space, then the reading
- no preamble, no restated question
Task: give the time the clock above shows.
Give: 3:45
